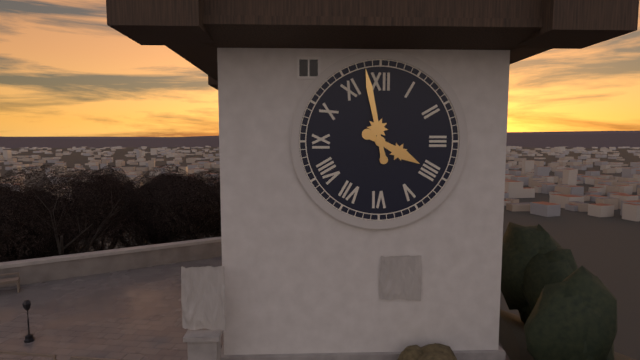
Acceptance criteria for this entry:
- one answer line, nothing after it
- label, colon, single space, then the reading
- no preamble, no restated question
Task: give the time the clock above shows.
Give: 3:58
